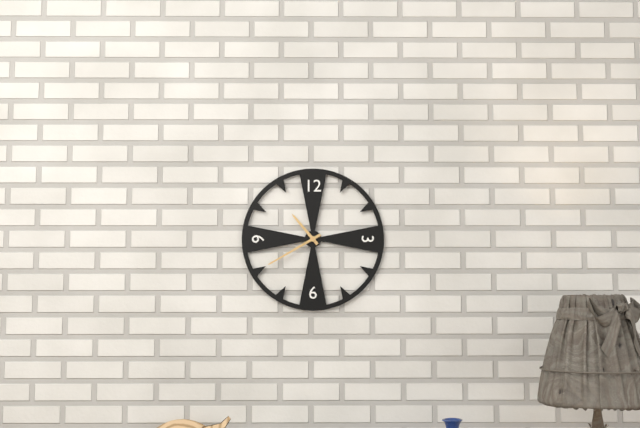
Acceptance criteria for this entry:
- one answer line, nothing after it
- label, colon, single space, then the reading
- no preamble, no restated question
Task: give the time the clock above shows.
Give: 10:40
